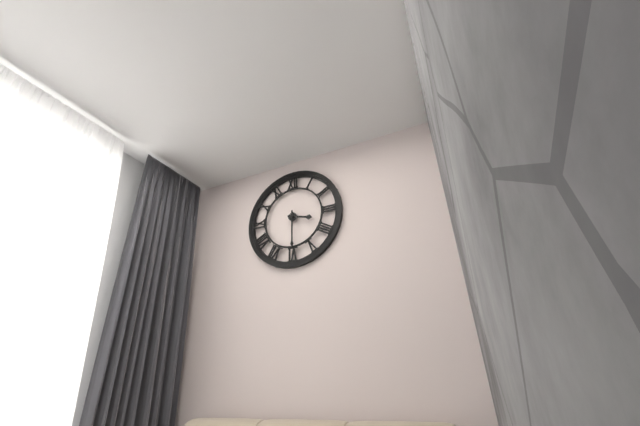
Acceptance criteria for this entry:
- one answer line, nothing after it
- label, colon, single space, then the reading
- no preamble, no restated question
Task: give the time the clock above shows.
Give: 3:30
